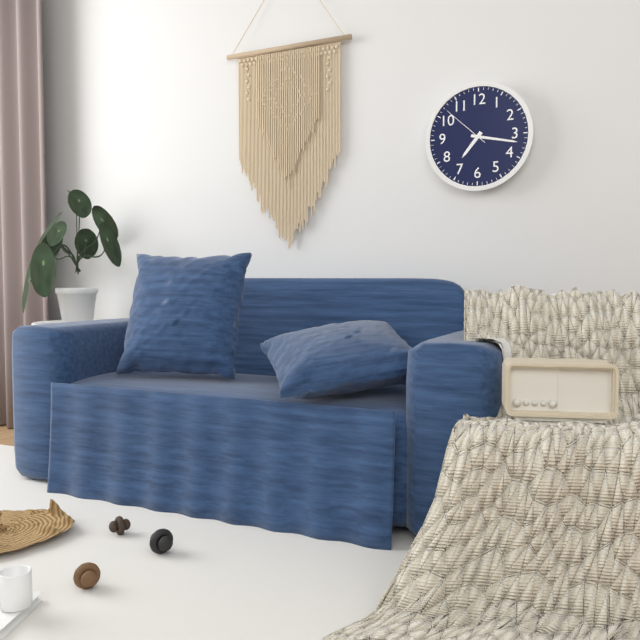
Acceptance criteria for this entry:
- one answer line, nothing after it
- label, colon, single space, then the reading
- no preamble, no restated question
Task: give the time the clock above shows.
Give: 7:17:52
